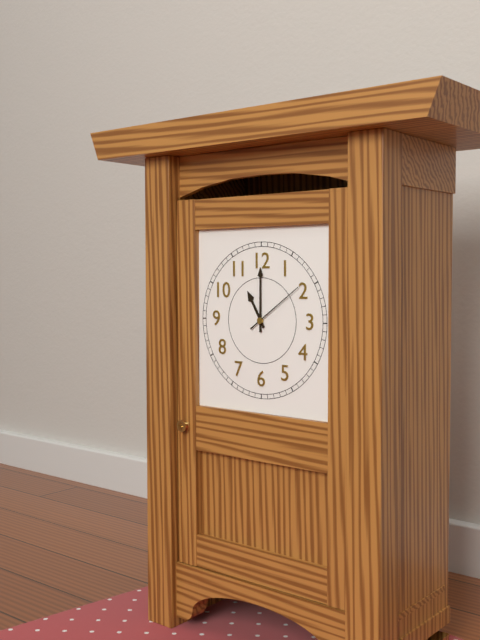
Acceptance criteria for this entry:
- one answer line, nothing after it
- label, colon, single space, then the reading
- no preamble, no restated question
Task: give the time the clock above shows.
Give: 11:00:09
